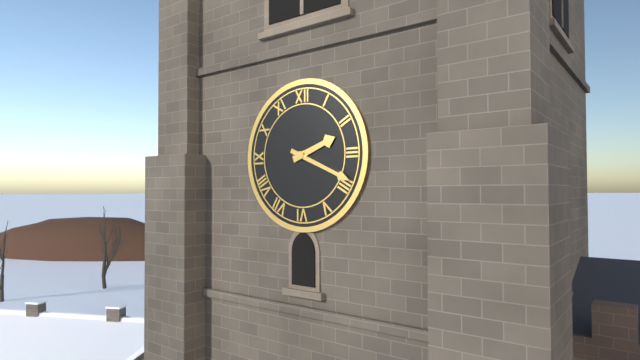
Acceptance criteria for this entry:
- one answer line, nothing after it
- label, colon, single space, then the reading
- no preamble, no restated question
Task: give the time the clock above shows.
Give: 2:19
